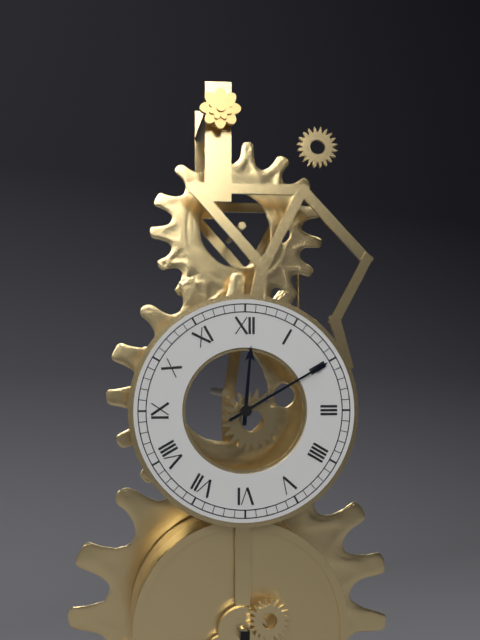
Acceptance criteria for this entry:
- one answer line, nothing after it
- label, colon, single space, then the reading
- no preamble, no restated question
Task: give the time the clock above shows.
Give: 12:10
